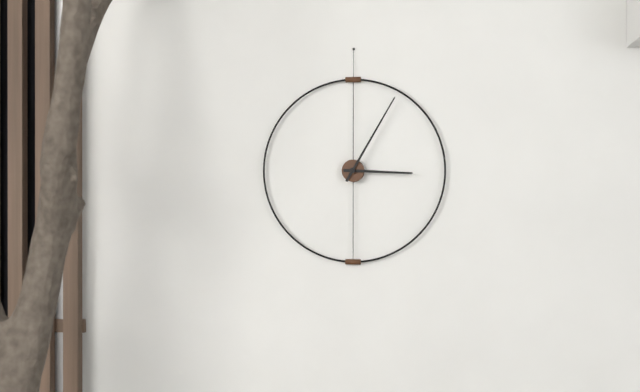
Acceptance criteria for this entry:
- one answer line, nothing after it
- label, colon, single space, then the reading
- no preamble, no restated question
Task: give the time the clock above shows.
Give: 3:05
